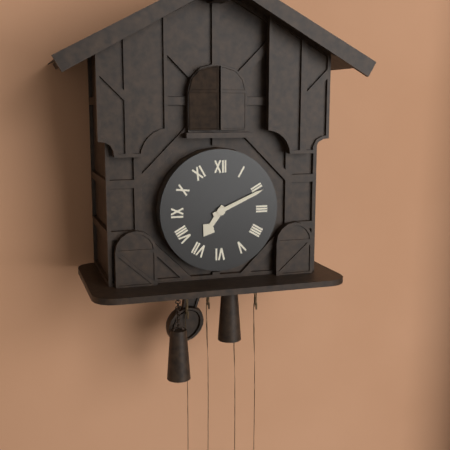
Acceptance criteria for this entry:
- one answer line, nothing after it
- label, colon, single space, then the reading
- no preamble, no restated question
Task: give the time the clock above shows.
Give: 7:11
